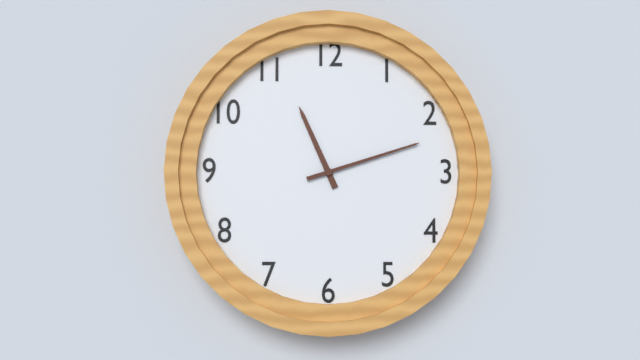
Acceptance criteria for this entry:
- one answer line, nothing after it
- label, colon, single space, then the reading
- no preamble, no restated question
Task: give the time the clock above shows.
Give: 11:12
